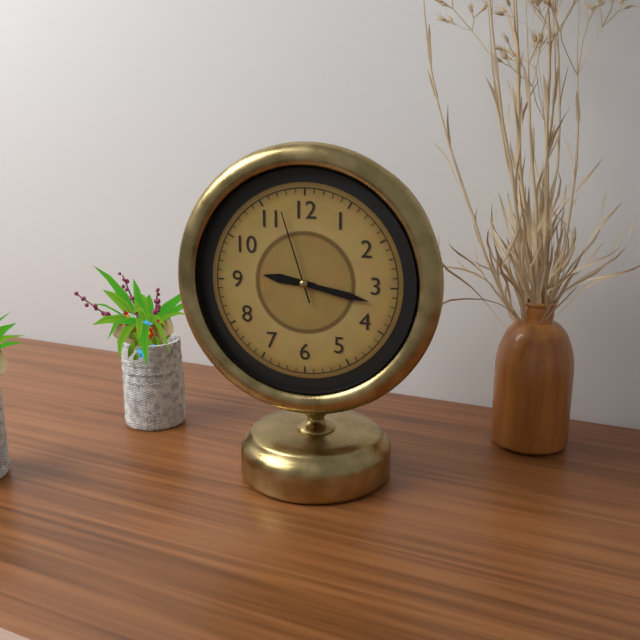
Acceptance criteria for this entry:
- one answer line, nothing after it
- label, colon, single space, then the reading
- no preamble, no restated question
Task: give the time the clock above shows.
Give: 9:17:57
